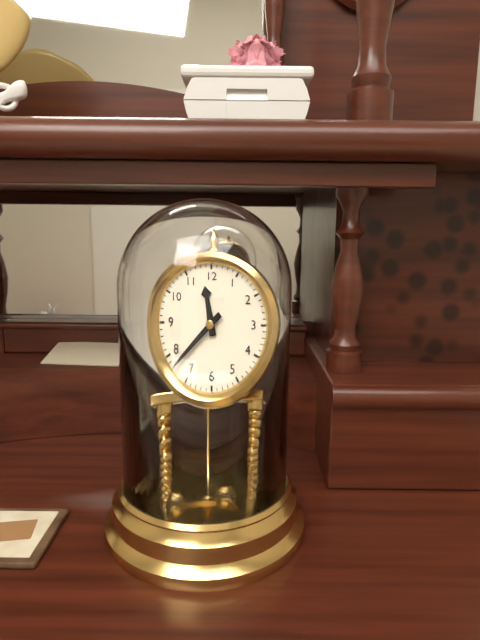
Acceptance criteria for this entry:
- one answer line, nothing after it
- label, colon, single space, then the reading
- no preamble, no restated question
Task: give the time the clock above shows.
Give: 11:38
